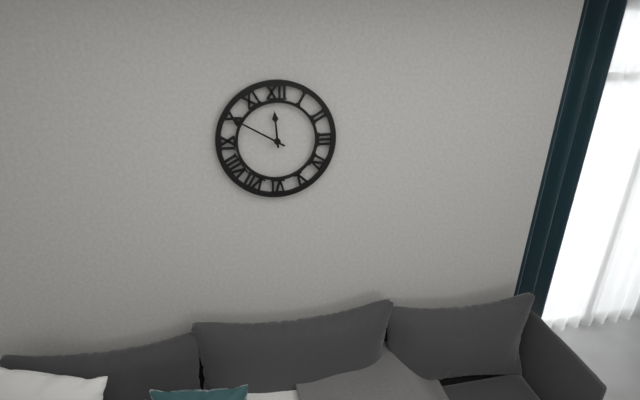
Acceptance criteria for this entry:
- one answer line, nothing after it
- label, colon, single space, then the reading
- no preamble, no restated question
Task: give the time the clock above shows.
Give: 11:50
